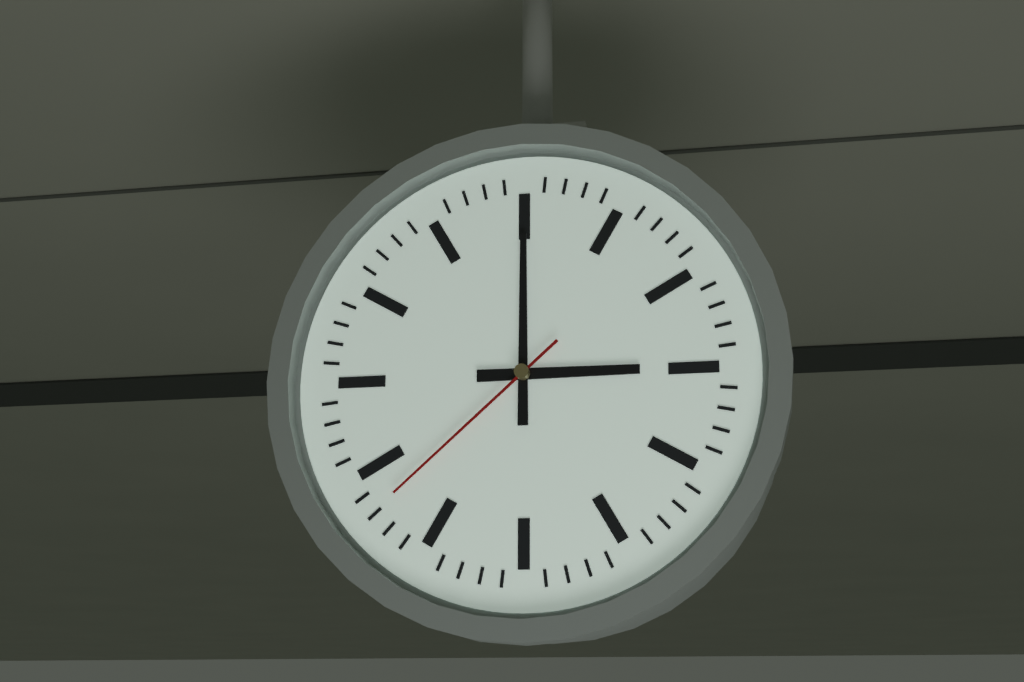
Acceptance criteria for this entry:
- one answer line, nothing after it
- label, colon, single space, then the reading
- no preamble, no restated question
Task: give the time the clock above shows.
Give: 3:00:38
